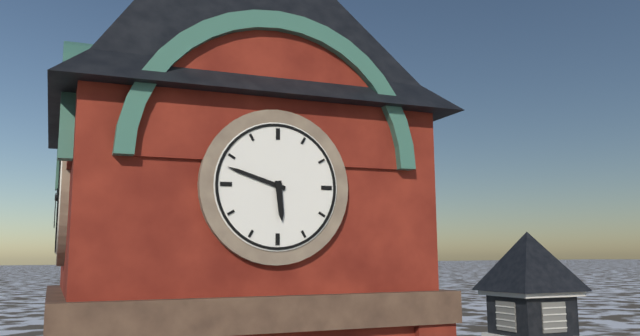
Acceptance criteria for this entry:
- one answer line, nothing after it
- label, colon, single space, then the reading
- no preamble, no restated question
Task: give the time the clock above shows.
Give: 5:48
